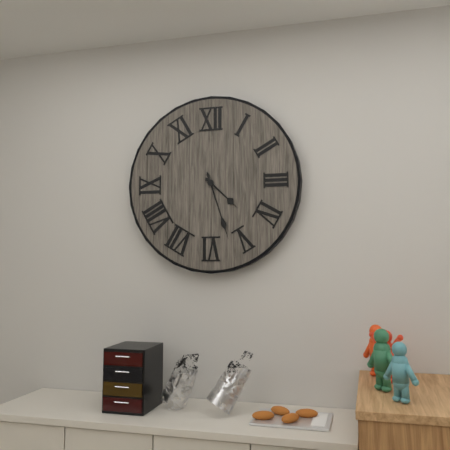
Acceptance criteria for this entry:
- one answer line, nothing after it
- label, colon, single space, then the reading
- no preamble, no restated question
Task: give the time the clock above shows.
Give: 4:27
